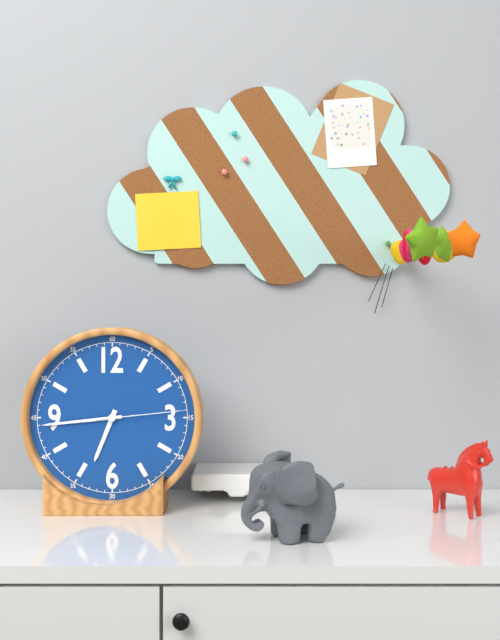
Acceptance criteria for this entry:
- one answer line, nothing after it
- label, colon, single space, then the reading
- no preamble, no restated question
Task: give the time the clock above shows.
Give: 6:44:14
